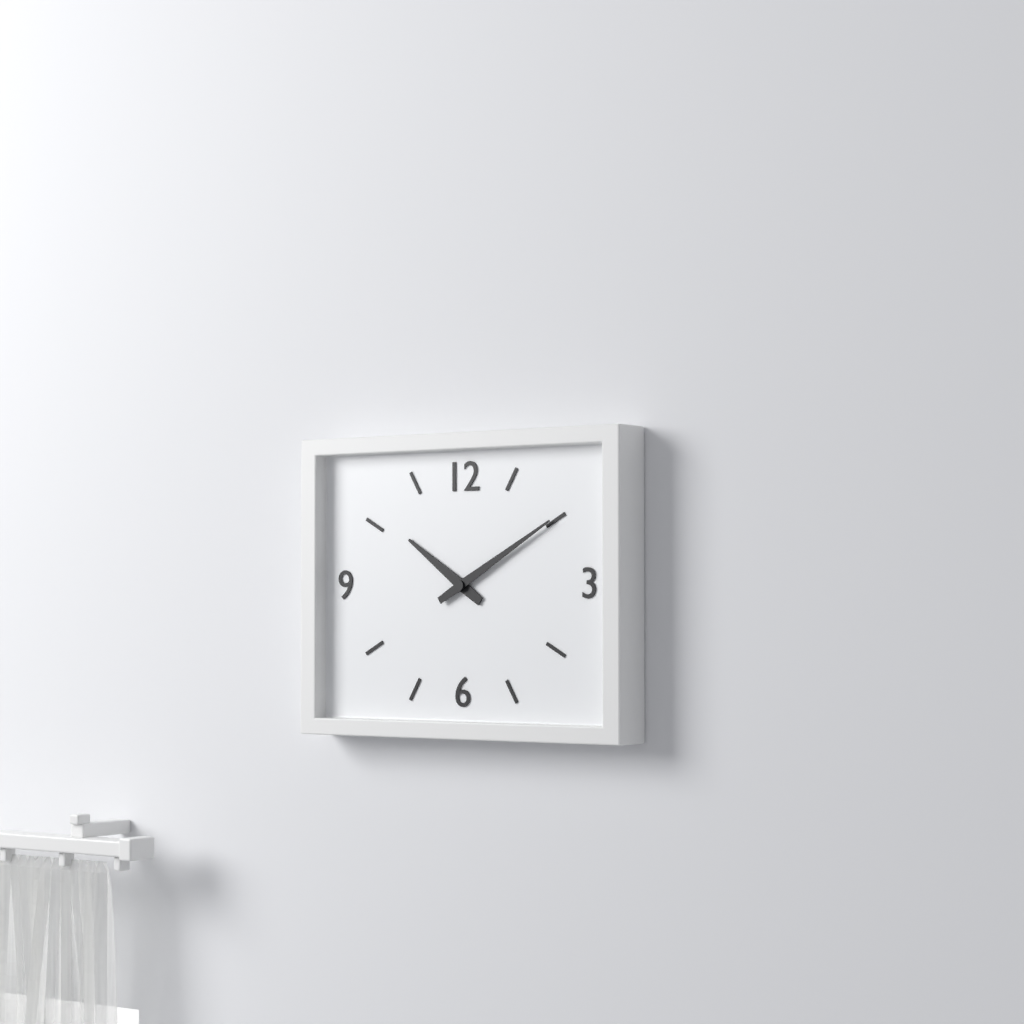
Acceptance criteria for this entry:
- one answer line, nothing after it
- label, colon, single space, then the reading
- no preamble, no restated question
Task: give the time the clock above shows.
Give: 10:10
